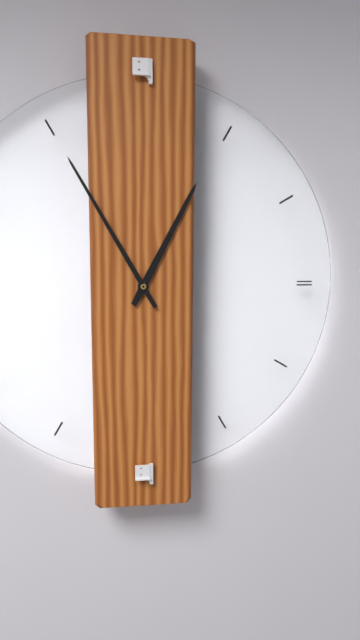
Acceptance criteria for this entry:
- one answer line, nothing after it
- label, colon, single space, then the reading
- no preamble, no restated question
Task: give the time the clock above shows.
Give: 12:55
